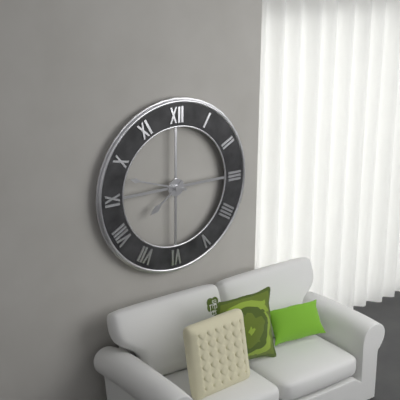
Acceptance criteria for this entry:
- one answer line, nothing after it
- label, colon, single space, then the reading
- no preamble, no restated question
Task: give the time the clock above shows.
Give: 7:48
